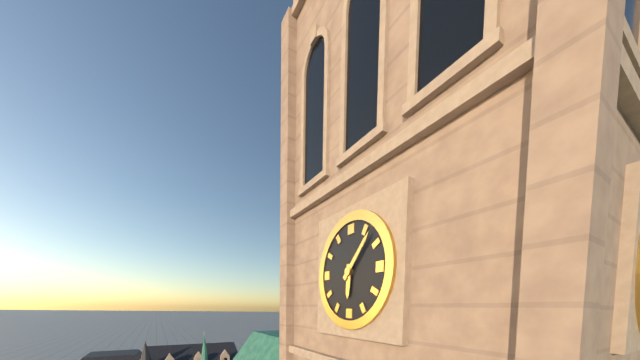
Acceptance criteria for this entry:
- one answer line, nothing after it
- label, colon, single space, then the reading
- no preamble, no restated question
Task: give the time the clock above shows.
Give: 6:07
